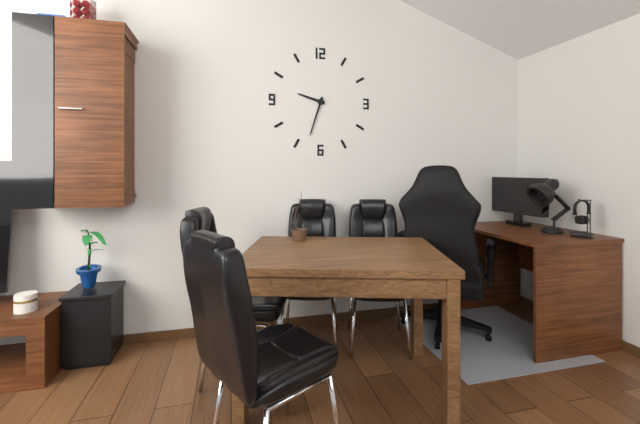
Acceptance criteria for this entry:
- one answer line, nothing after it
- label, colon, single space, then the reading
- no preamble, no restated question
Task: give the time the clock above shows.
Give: 9:33
